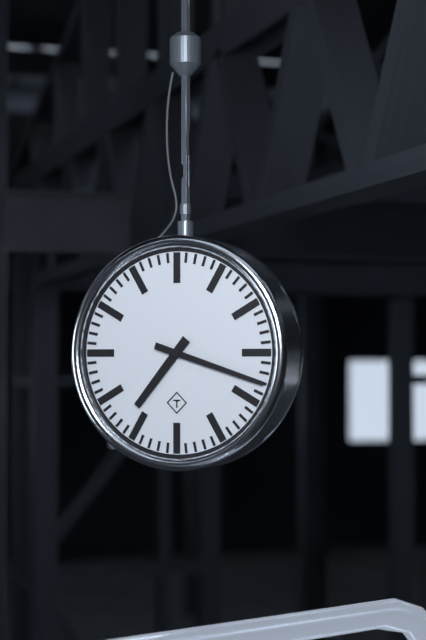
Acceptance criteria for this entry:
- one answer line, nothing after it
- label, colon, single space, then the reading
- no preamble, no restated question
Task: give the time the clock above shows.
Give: 7:18
